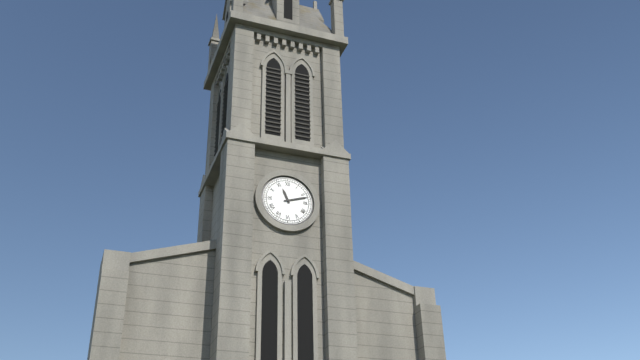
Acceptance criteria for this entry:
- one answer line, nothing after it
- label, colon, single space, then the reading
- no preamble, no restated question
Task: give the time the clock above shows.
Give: 11:12
